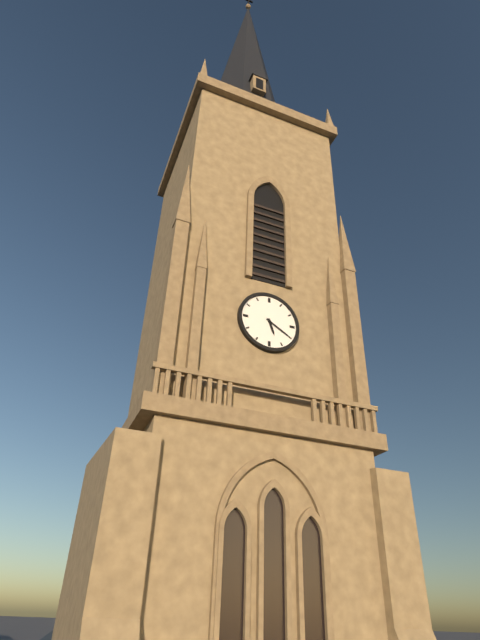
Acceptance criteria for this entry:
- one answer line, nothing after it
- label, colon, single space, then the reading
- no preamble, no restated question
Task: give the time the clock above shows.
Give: 5:20
